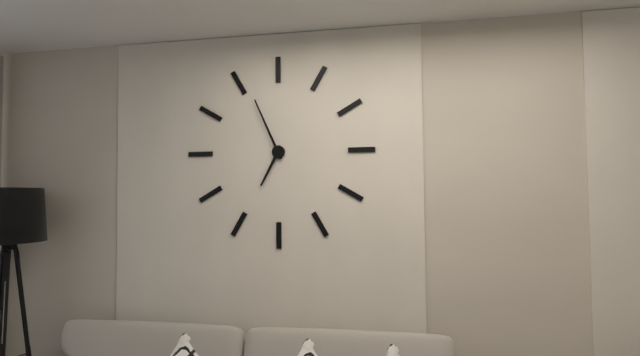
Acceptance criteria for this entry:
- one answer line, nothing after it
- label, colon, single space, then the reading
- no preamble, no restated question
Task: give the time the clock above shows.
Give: 6:56
